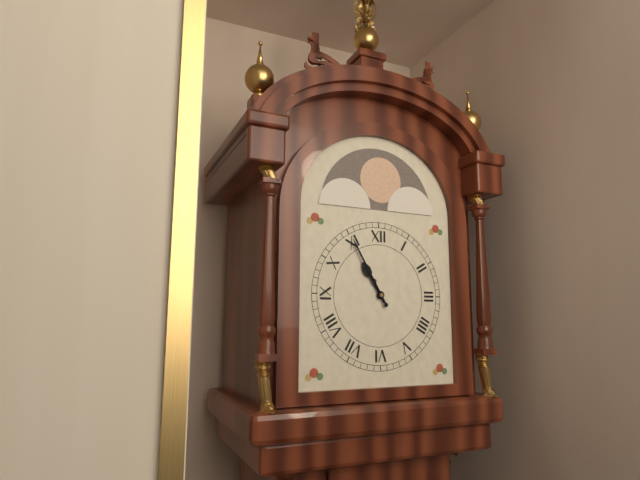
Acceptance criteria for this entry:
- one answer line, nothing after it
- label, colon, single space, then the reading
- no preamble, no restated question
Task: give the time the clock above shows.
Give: 10:55
